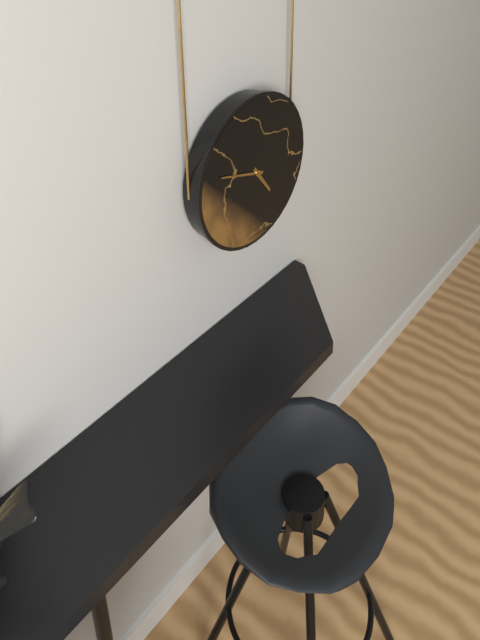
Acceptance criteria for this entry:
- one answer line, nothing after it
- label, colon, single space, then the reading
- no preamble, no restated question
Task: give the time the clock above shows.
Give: 4:48
